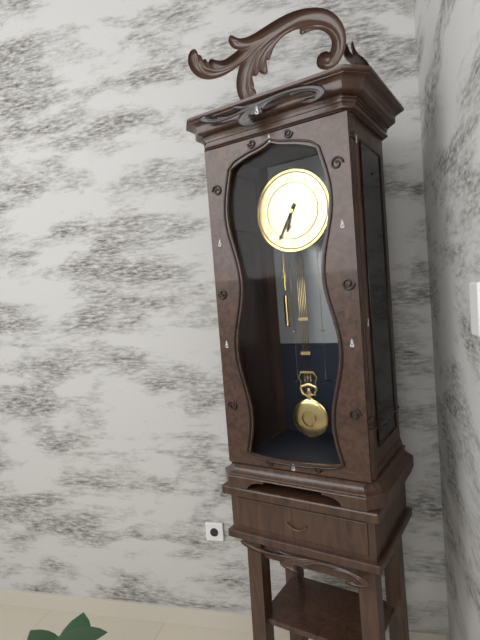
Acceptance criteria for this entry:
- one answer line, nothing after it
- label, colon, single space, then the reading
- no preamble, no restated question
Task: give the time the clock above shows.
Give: 6:35
